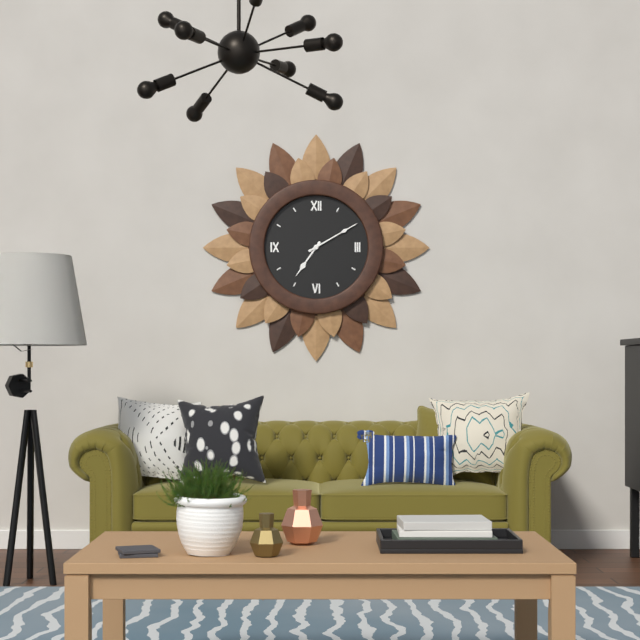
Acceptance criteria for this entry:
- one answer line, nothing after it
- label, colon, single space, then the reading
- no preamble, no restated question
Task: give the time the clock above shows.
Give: 7:10
